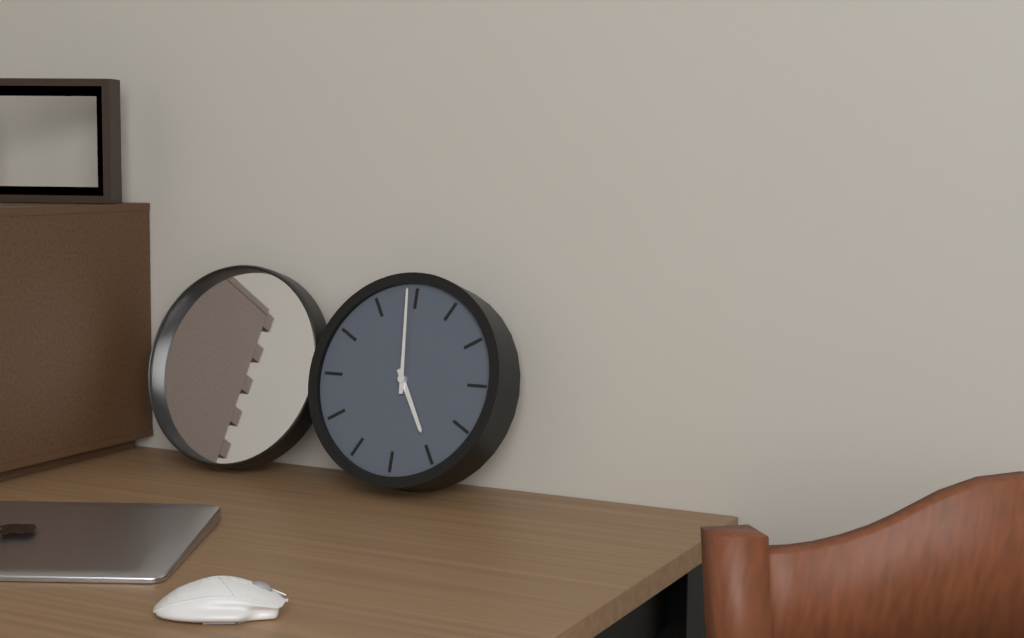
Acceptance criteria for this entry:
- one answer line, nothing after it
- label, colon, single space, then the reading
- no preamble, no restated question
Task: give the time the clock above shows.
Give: 4:59
